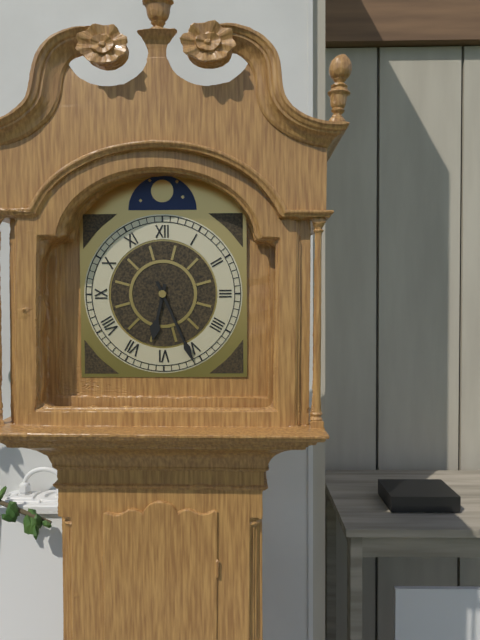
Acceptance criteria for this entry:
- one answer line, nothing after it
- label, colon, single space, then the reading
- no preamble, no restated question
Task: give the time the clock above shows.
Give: 6:26
